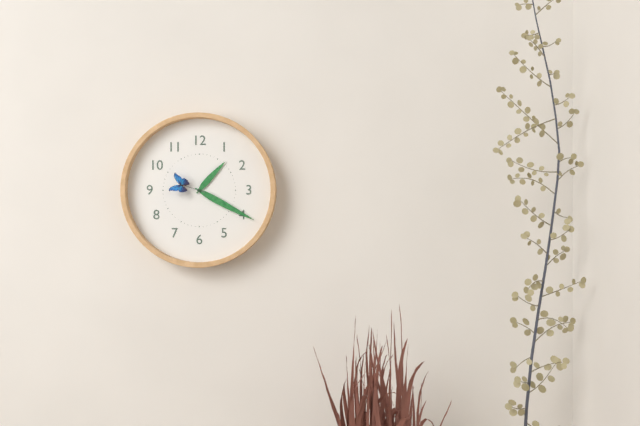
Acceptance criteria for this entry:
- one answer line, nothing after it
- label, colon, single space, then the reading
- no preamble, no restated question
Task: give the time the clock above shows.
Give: 1:20
